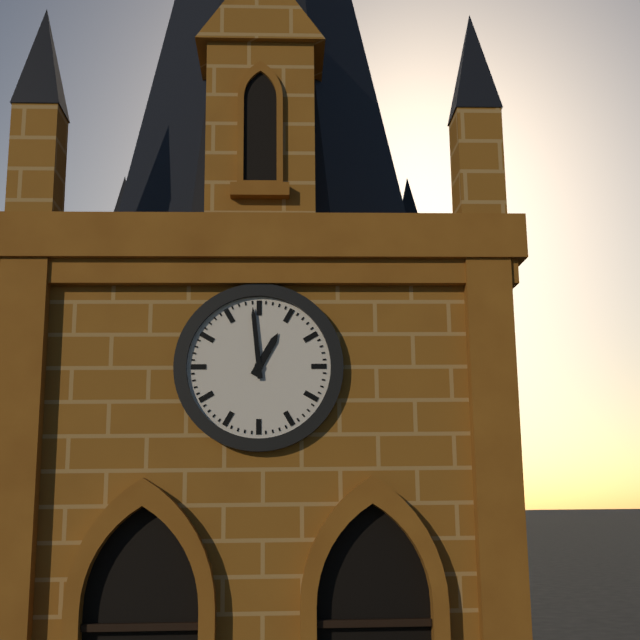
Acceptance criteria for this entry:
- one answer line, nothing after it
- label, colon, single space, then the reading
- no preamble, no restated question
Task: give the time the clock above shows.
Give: 12:59
